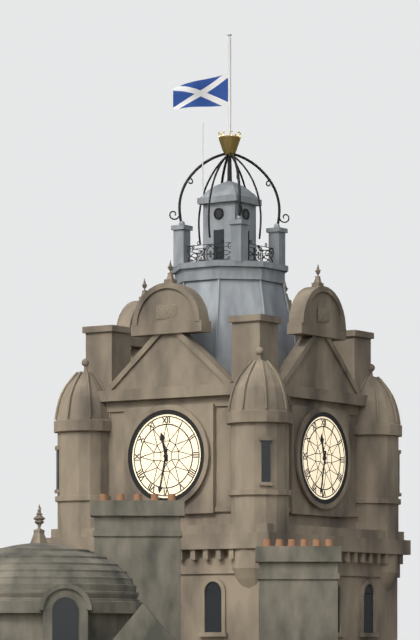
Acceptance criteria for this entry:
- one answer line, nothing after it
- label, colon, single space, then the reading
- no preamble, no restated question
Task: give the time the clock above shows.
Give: 11:32
